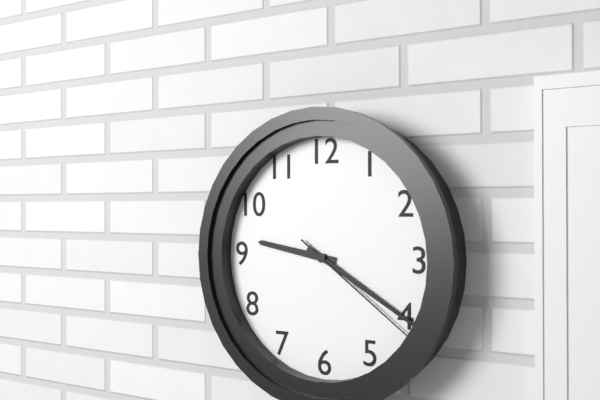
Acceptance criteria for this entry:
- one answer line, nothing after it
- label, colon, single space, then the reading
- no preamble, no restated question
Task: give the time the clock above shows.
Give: 9:20:21
